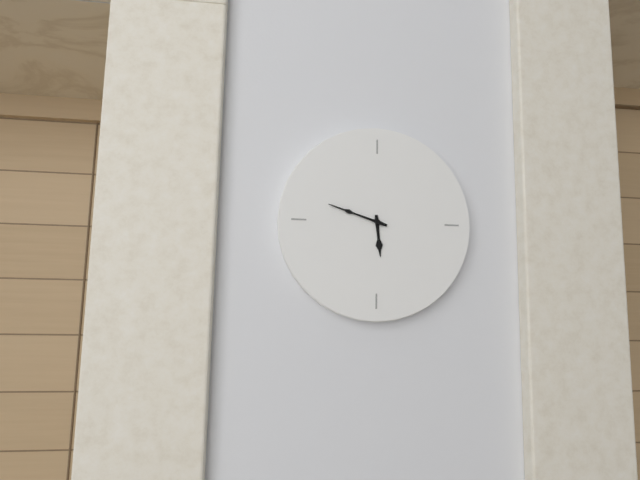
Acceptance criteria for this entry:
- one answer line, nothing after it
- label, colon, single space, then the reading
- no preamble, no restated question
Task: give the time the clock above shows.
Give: 5:48
